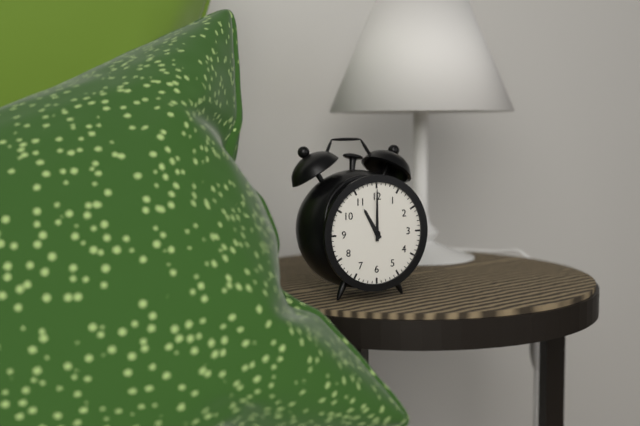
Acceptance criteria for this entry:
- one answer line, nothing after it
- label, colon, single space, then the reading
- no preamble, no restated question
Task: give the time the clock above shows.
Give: 11:00
